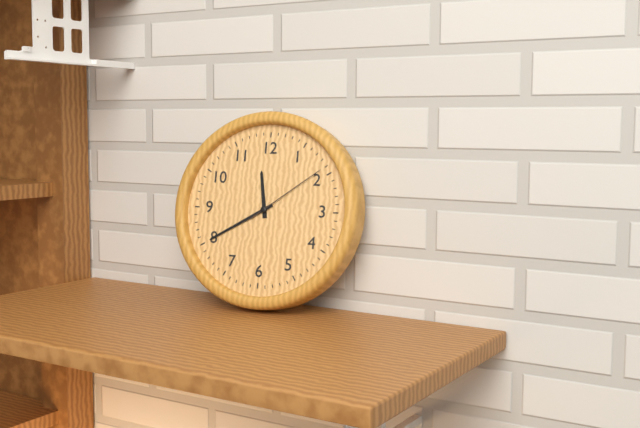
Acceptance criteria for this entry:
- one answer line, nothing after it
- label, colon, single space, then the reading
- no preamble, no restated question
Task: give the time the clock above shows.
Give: 11:40:09
